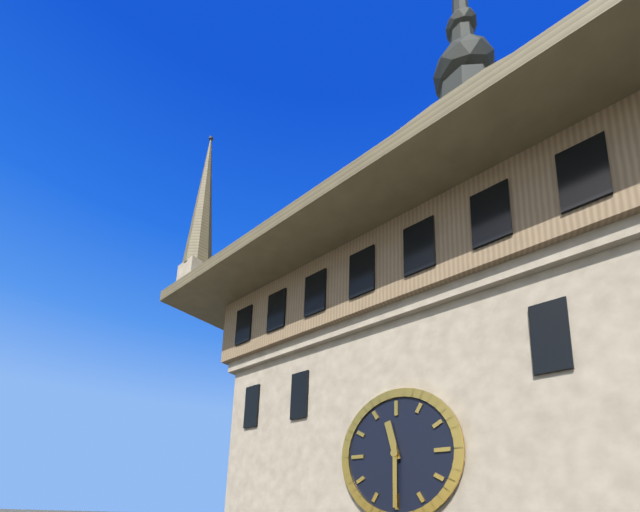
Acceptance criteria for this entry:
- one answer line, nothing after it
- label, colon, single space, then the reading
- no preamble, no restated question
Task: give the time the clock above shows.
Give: 11:30
